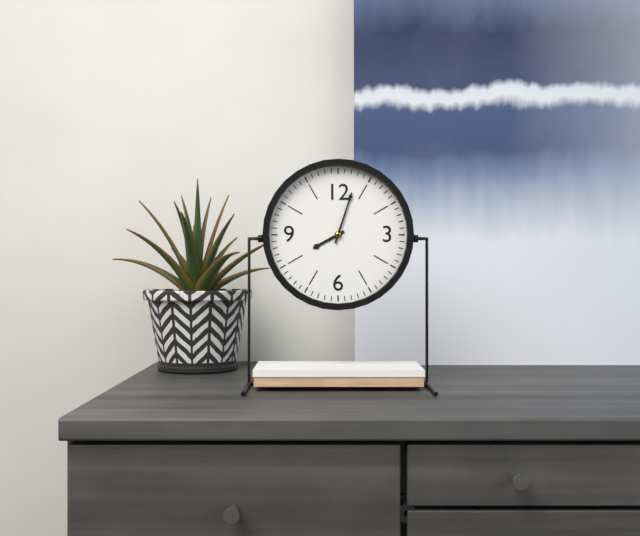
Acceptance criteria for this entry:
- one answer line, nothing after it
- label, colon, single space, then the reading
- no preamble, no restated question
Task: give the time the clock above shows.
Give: 8:03
